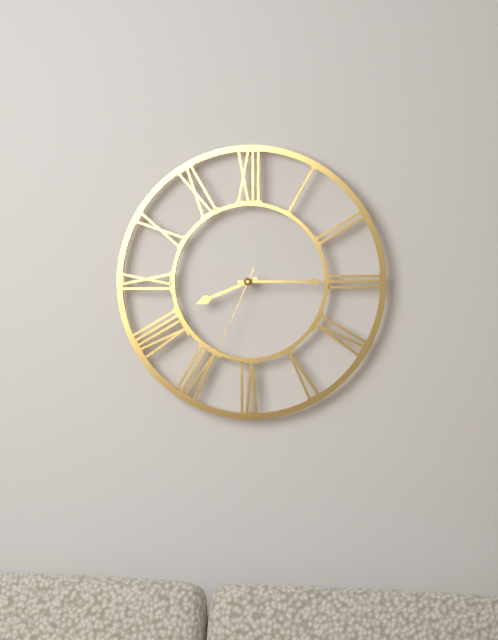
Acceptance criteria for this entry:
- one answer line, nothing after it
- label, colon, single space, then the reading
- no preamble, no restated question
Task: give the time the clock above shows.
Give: 8:15:34
